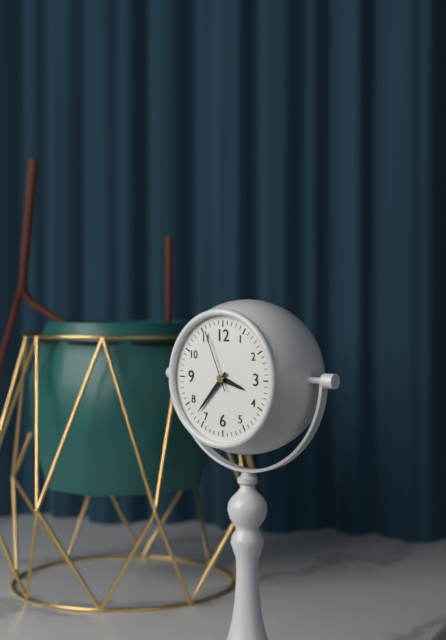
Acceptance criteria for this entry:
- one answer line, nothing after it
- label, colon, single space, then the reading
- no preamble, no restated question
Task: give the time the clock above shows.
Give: 3:37:56
